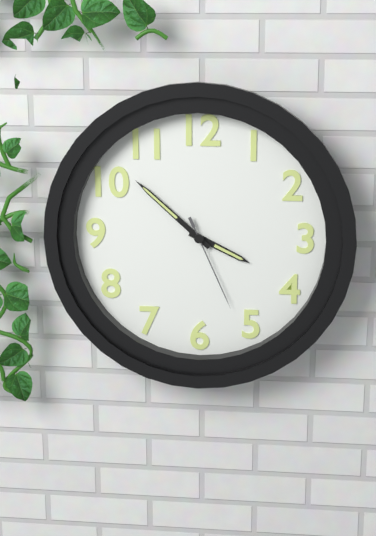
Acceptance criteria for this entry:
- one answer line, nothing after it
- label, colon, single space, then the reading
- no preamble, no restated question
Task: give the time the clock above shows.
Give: 3:52:26
